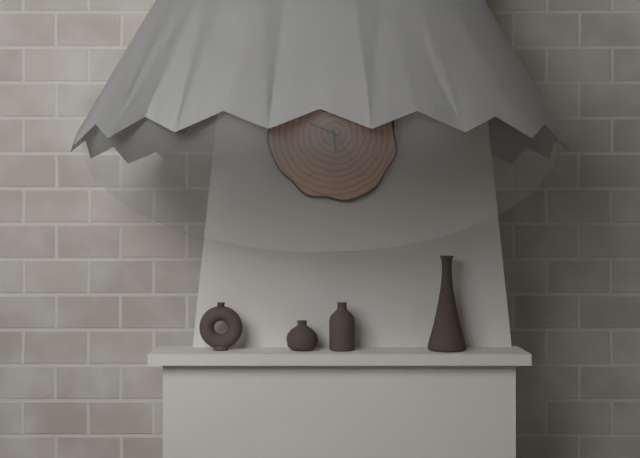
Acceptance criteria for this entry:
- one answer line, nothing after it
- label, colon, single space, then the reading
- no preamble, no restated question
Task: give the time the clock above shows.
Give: 5:49
